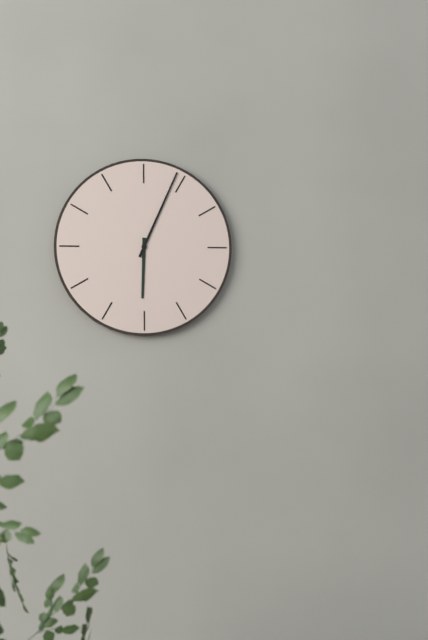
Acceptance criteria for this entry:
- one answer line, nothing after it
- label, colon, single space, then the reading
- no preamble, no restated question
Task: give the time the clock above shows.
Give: 6:04
